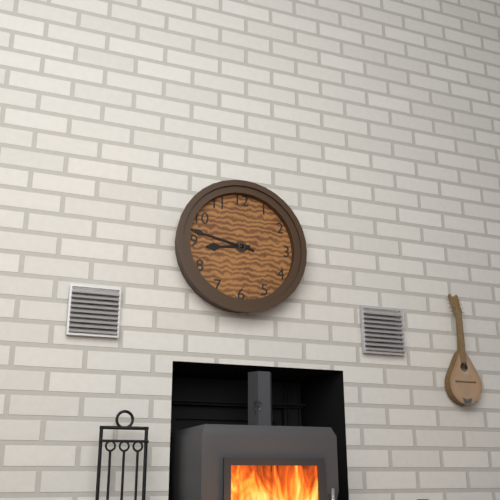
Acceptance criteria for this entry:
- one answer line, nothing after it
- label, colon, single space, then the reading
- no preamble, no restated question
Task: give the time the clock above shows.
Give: 8:47
